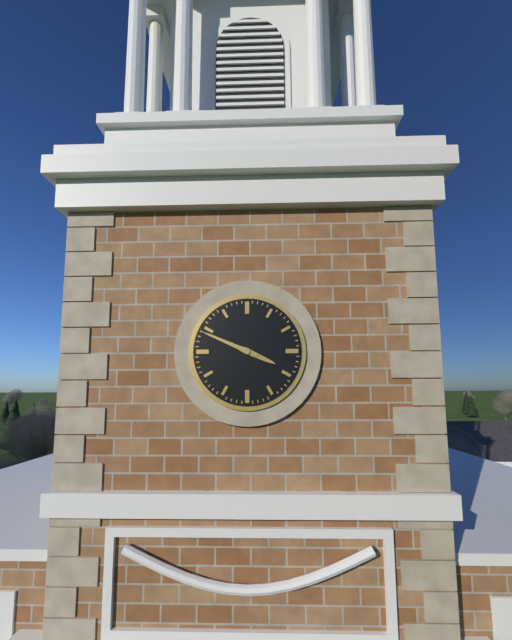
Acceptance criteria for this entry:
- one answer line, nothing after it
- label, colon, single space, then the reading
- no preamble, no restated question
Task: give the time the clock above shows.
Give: 3:49
